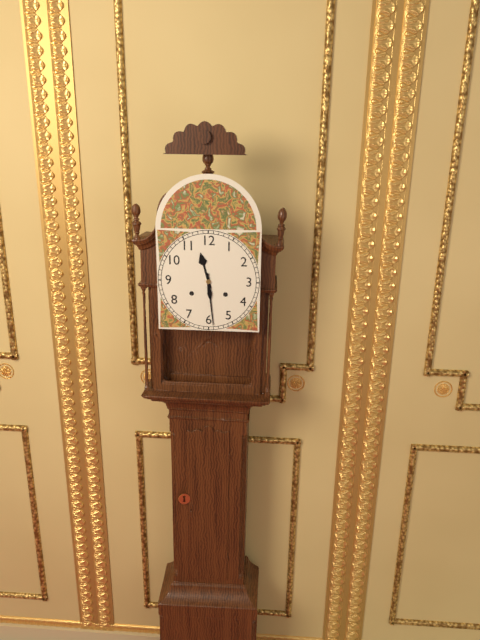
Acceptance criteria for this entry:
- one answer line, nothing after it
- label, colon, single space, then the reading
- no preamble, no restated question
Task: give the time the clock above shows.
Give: 11:29
